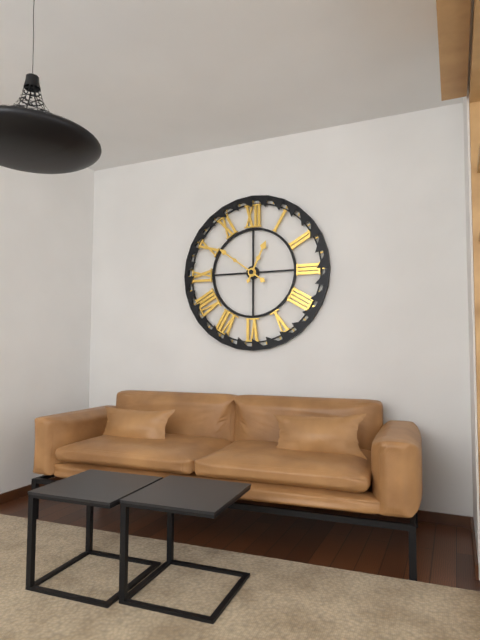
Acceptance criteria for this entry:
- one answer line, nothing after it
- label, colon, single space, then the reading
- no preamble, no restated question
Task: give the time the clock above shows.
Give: 12:51
